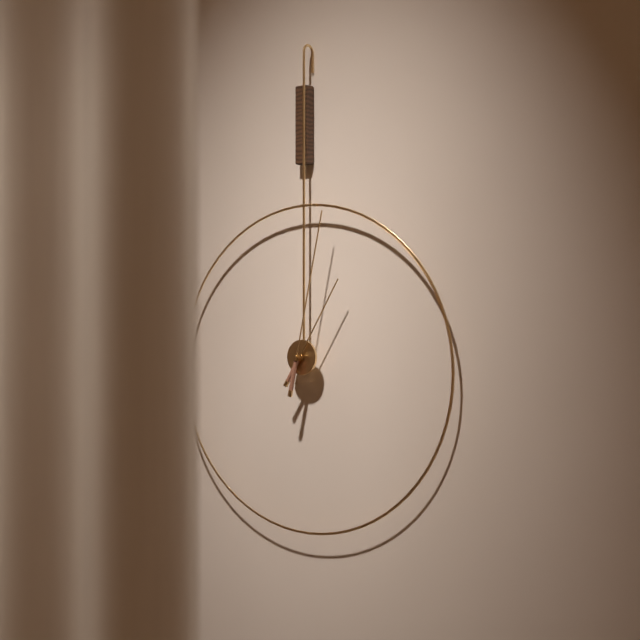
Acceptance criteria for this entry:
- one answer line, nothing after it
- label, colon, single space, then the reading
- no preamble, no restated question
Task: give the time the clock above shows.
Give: 1:02
